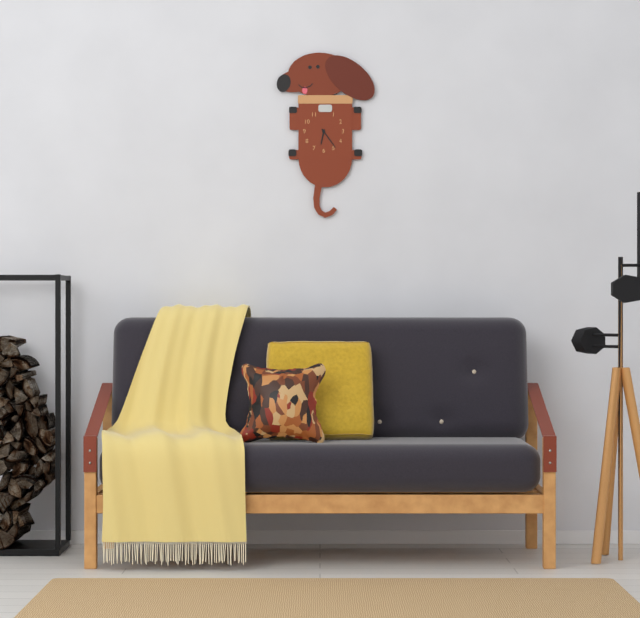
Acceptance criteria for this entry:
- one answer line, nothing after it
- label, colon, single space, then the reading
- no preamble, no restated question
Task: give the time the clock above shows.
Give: 6:24
